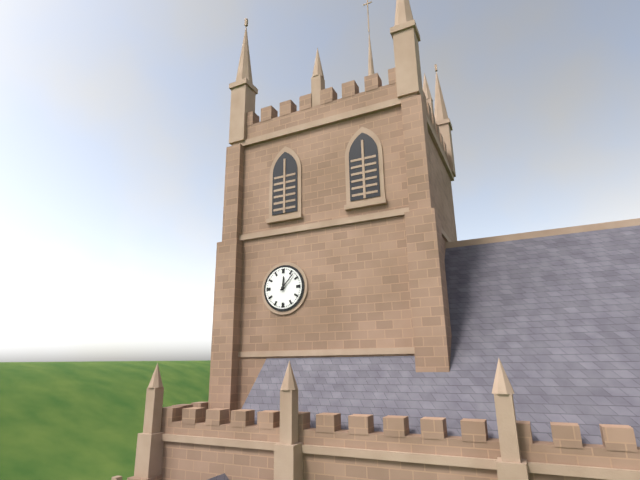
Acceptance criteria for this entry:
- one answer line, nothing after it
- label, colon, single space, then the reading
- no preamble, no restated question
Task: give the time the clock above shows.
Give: 12:07
